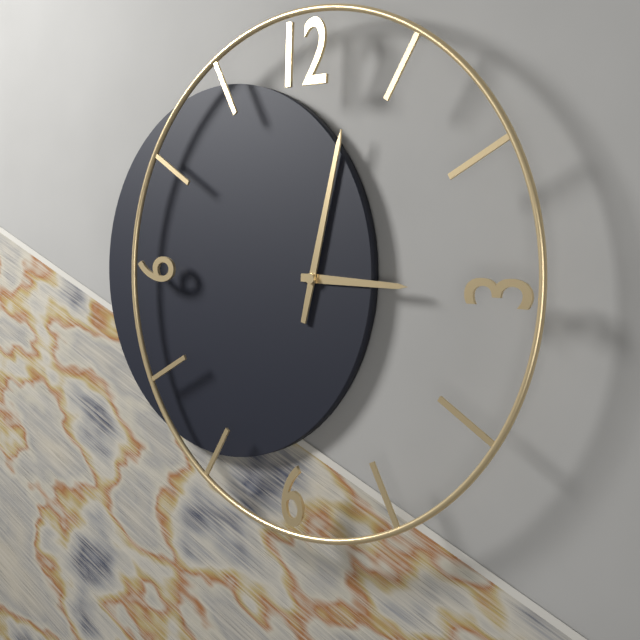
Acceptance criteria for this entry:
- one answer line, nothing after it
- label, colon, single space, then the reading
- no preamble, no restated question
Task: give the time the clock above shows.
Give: 3:02
